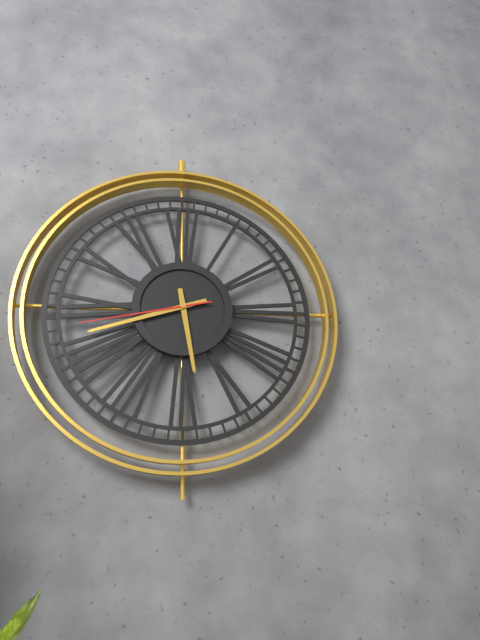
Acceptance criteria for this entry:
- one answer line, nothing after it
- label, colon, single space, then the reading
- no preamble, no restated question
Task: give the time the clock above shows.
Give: 5:42:43
